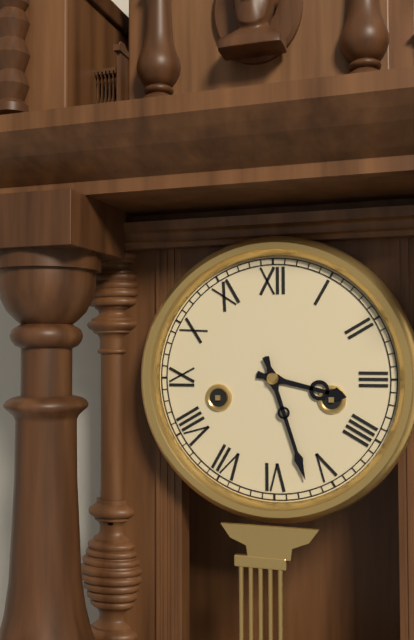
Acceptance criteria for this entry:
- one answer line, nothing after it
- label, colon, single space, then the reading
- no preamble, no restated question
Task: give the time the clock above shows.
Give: 3:27
